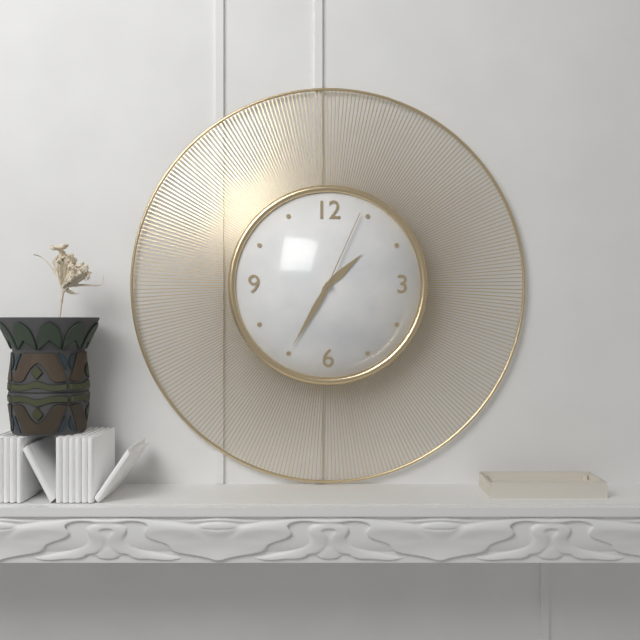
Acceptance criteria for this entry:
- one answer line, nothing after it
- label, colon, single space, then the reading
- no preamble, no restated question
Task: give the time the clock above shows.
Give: 1:35:04
